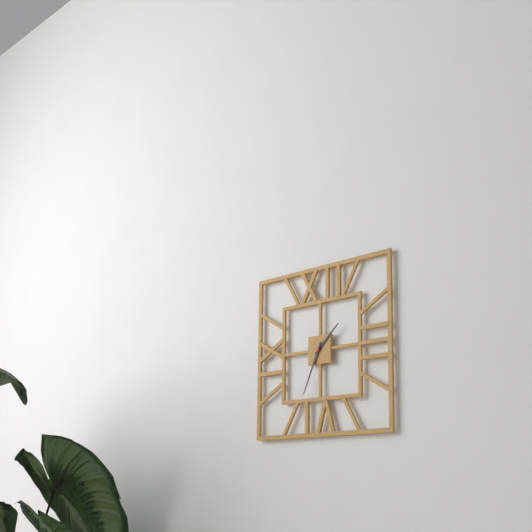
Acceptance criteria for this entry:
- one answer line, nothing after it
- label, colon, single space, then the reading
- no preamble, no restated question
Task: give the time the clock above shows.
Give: 1:34
